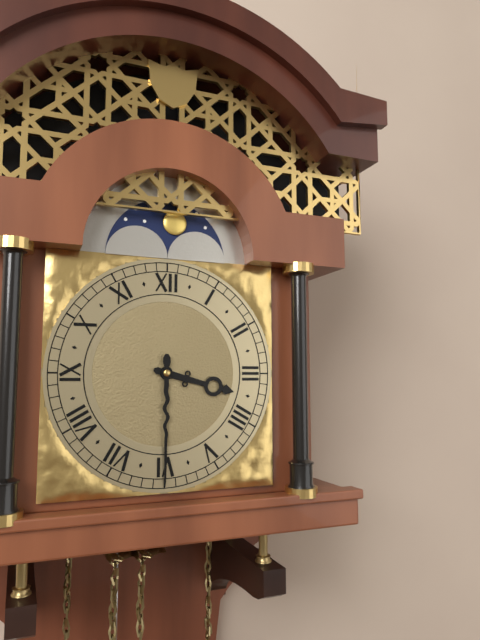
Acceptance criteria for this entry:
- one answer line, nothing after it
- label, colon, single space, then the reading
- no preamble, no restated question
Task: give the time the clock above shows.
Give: 3:30
